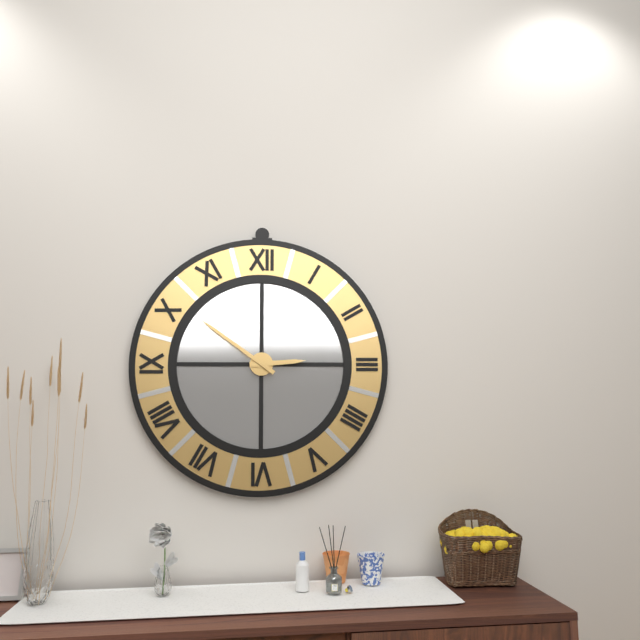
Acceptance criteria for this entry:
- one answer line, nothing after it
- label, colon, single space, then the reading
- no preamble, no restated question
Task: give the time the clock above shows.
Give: 2:51
